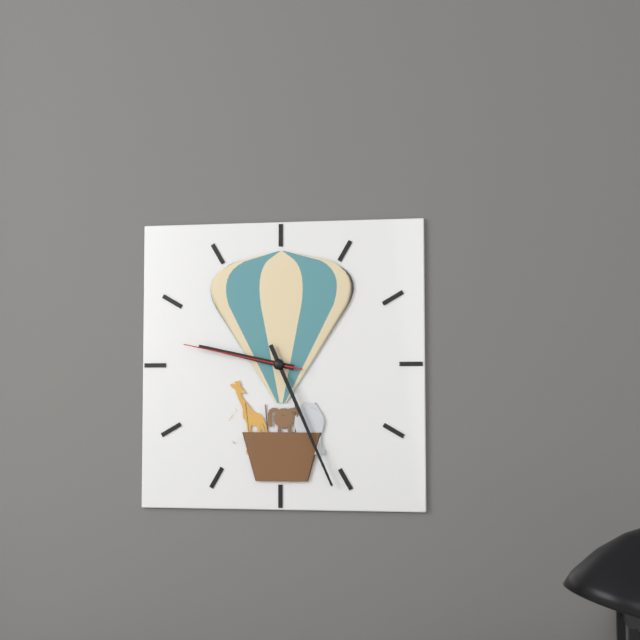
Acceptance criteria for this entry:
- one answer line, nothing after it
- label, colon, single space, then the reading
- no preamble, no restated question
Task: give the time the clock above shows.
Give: 9:26:47
